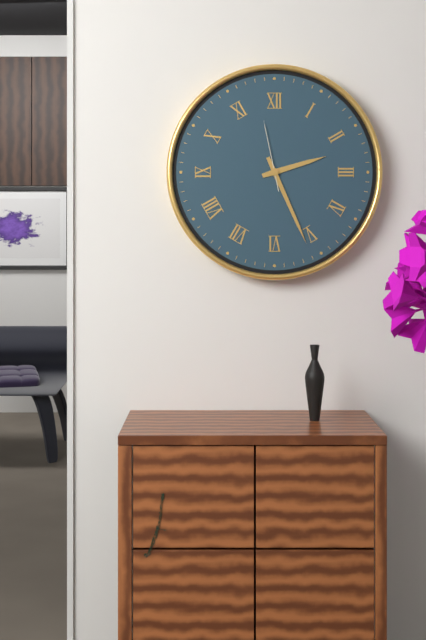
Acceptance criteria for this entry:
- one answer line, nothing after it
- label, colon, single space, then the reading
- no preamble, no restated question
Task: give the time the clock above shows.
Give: 2:26:58
